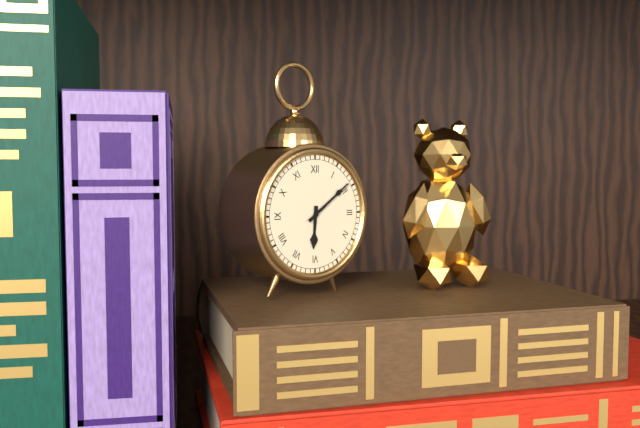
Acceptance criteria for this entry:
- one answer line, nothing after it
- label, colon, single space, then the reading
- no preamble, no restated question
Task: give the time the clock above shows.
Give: 6:09
